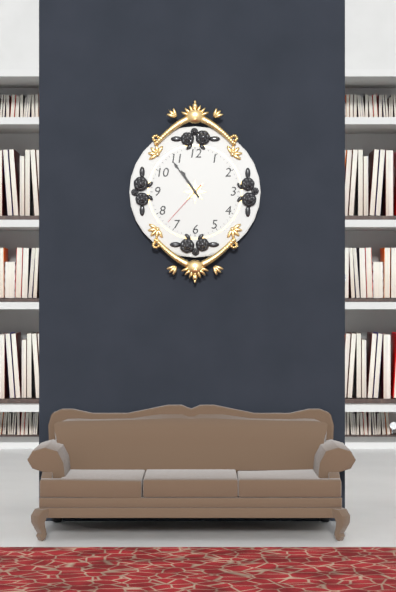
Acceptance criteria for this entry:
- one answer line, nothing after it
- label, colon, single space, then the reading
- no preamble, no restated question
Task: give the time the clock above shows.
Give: 10:54:37
